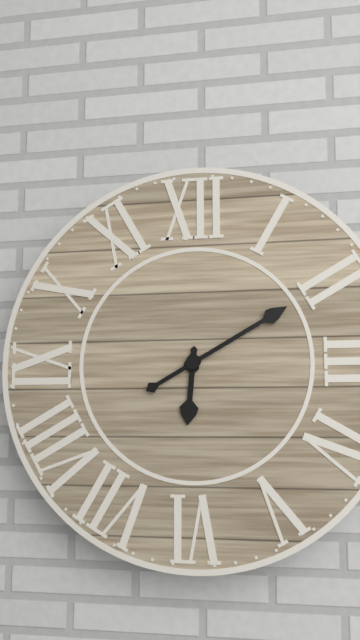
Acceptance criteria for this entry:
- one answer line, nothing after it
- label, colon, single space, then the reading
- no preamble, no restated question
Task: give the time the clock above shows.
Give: 6:10
